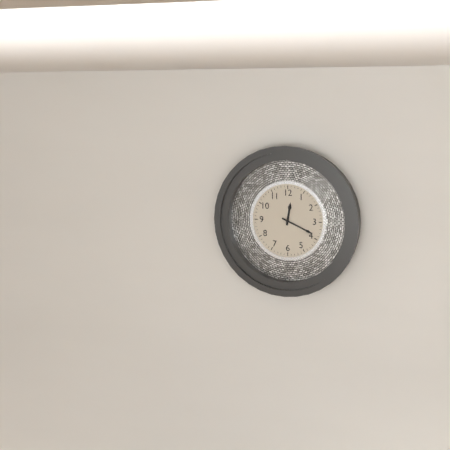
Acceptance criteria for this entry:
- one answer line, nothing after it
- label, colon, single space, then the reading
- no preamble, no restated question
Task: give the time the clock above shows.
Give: 12:19
